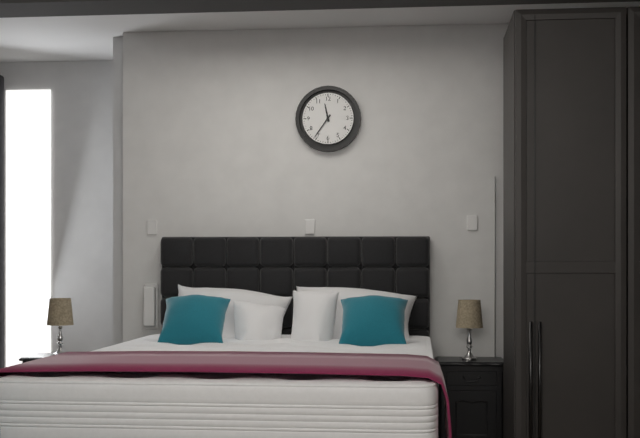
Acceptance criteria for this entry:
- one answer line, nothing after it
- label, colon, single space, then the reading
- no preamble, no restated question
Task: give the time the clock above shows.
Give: 11:36
